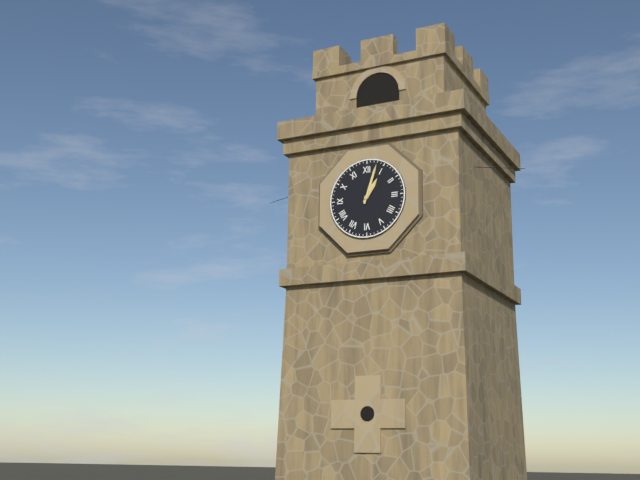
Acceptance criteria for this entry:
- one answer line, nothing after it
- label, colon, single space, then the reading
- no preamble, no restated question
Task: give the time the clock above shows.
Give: 1:03
